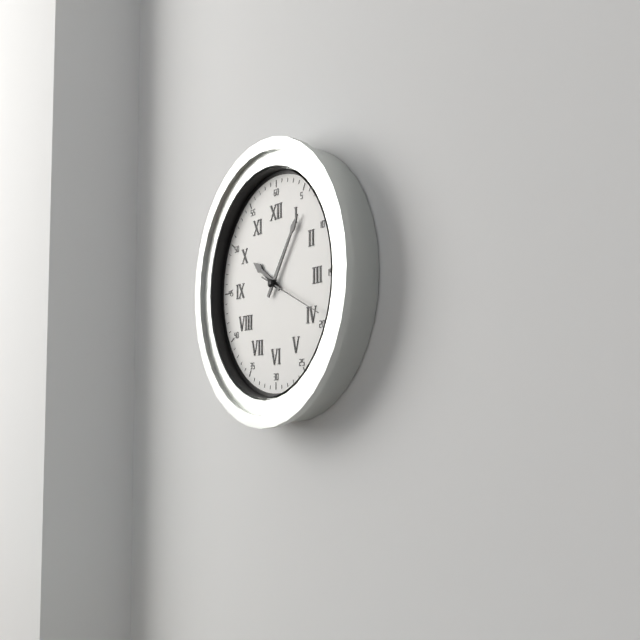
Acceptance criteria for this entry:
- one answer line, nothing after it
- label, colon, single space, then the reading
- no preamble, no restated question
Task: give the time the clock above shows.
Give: 10:06
